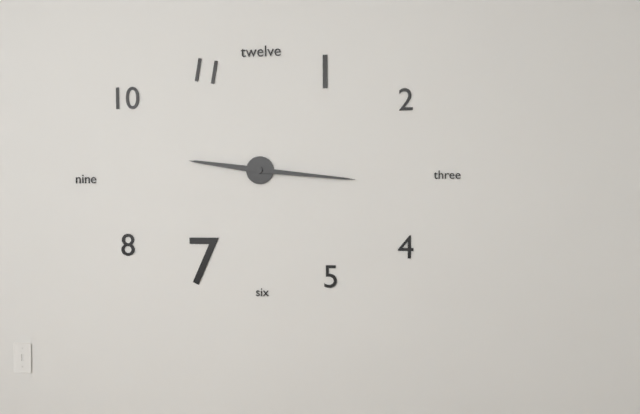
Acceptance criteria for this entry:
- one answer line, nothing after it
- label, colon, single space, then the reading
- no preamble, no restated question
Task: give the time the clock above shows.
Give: 9:16
